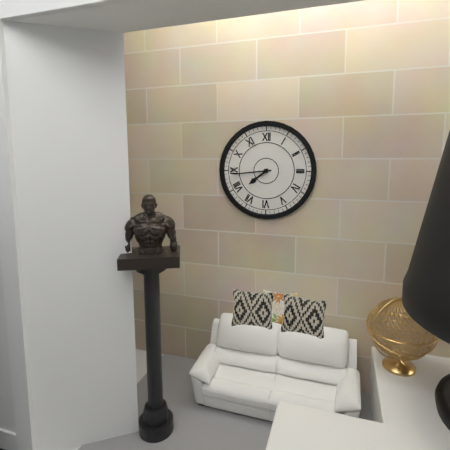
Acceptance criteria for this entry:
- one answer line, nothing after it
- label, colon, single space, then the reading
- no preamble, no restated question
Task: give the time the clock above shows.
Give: 7:44
